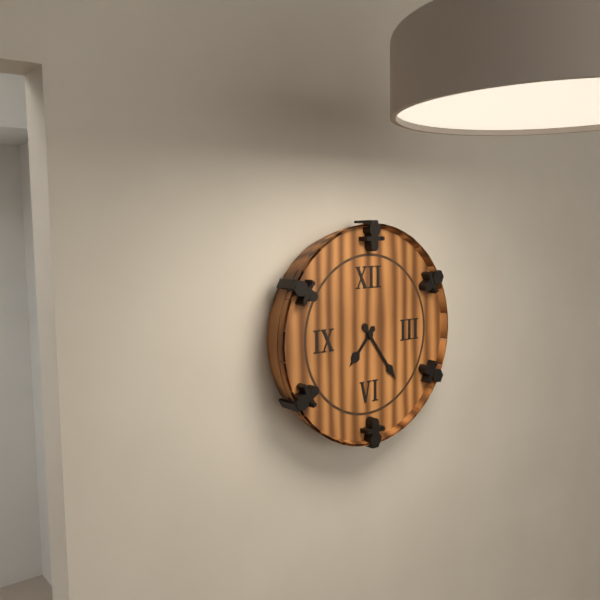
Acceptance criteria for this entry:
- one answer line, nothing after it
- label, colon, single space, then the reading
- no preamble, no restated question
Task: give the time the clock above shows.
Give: 7:24
